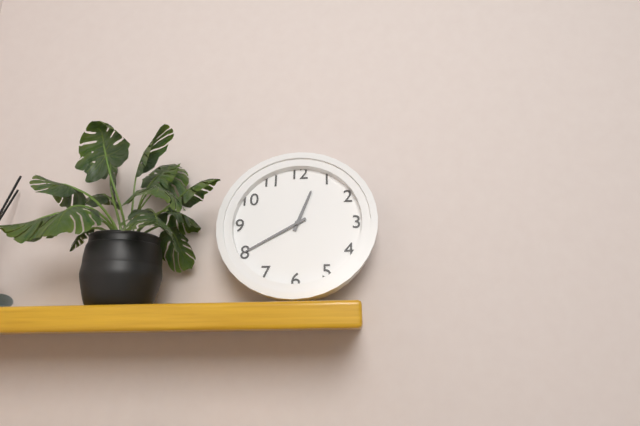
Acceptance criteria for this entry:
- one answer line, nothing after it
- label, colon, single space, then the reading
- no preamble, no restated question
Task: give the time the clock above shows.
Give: 12:40
